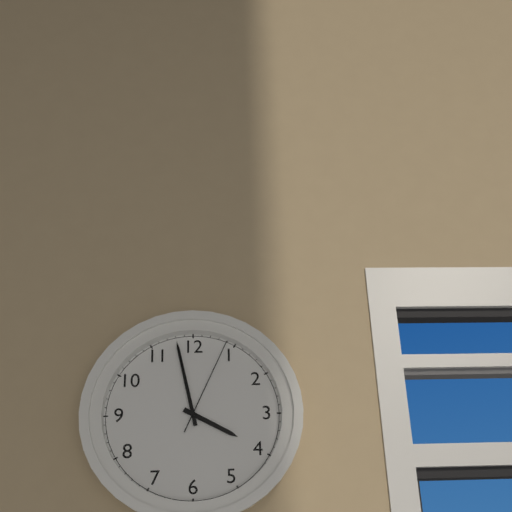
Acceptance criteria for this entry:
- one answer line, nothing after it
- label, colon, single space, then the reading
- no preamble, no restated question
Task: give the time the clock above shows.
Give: 3:58:04
